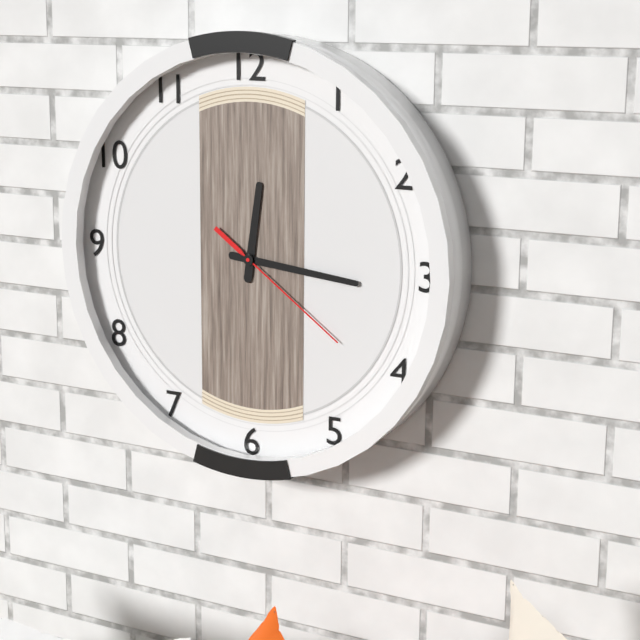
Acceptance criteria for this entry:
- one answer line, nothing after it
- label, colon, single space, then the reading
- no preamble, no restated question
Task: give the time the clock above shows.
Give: 12:16:21
